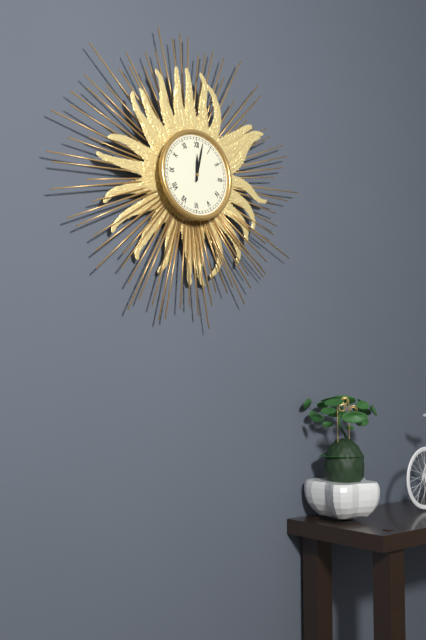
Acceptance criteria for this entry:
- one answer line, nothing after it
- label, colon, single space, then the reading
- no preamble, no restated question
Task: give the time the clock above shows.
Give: 12:02
